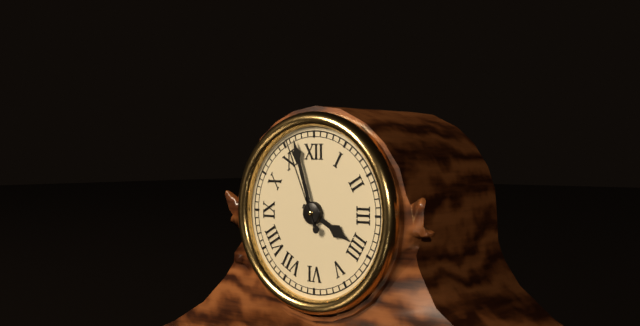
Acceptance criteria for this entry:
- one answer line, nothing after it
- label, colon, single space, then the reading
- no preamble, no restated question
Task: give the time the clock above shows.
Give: 3:57:56
